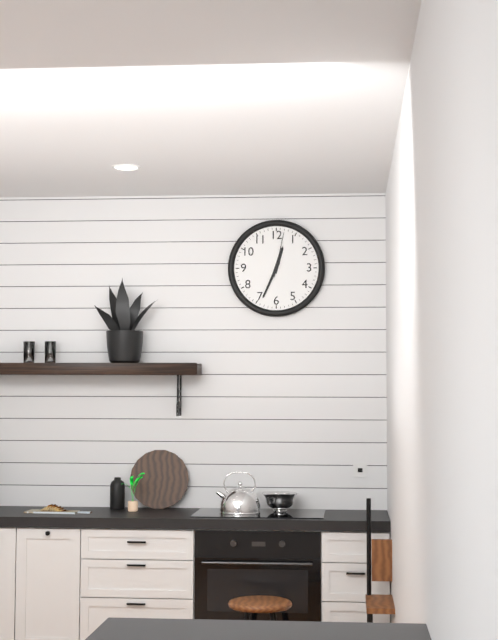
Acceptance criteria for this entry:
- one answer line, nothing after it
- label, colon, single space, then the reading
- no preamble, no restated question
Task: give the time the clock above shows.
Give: 12:34
